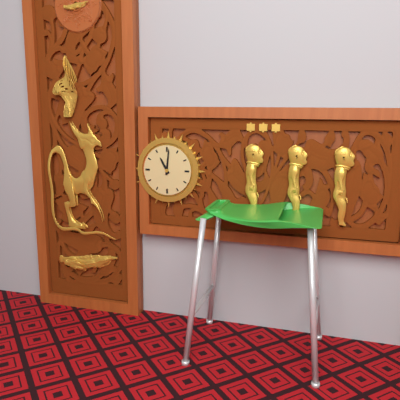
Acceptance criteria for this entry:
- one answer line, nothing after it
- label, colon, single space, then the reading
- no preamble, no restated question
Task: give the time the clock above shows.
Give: 11:01
